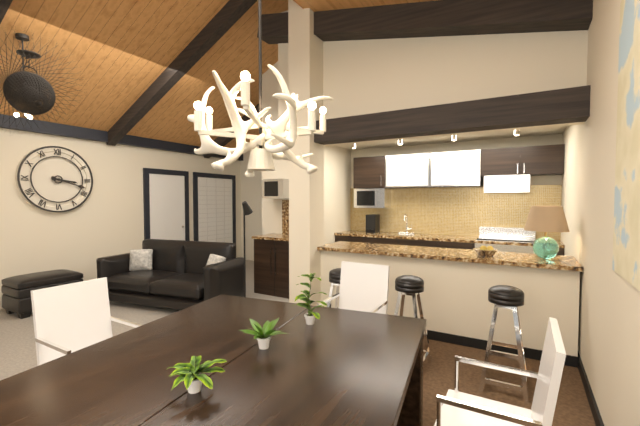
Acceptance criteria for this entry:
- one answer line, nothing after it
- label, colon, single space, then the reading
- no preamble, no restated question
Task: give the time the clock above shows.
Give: 3:18
